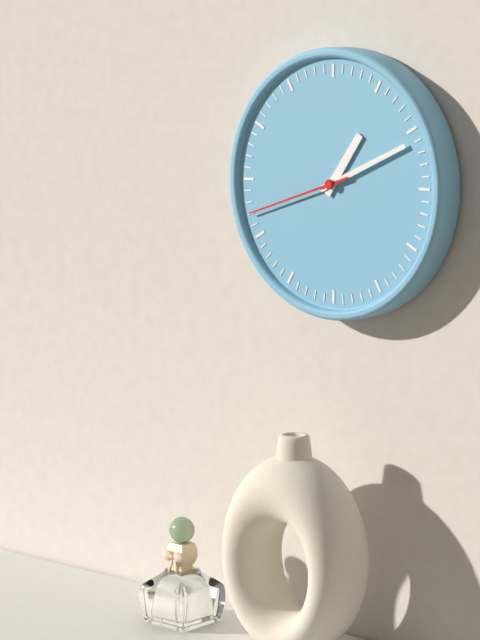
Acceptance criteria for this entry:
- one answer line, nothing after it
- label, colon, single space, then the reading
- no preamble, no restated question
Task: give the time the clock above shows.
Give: 1:11:42
